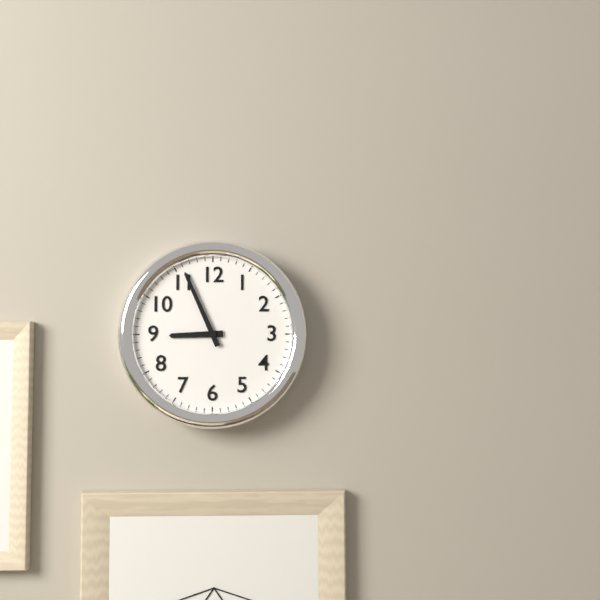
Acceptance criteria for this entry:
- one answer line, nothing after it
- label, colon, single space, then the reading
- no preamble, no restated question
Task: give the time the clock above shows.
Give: 8:56
